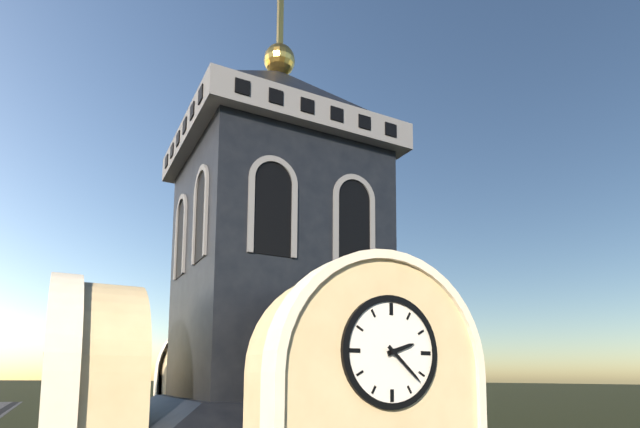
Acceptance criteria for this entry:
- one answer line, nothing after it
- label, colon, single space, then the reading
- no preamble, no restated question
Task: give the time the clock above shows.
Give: 2:22
